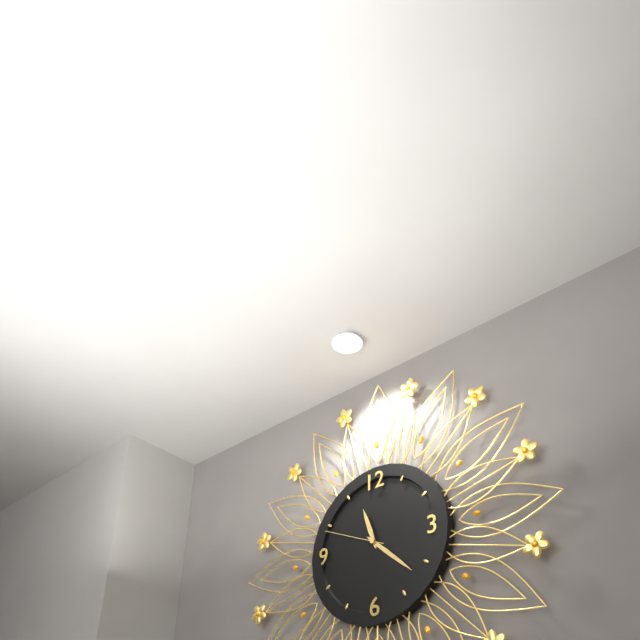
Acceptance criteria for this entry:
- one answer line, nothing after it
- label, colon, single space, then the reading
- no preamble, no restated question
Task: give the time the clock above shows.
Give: 11:22:49
